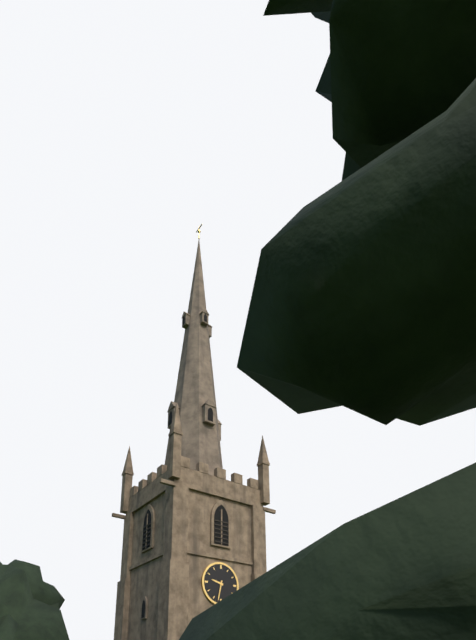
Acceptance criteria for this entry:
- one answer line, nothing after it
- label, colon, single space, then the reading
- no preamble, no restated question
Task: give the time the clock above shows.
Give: 9:32
